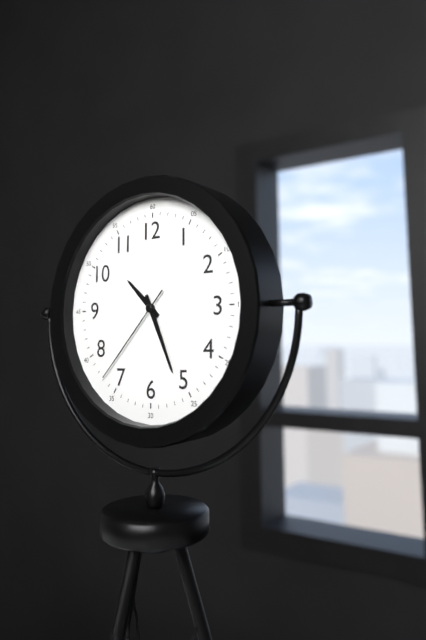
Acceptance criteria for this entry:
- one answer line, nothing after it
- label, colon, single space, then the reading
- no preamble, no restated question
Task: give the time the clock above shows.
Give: 10:26:37
